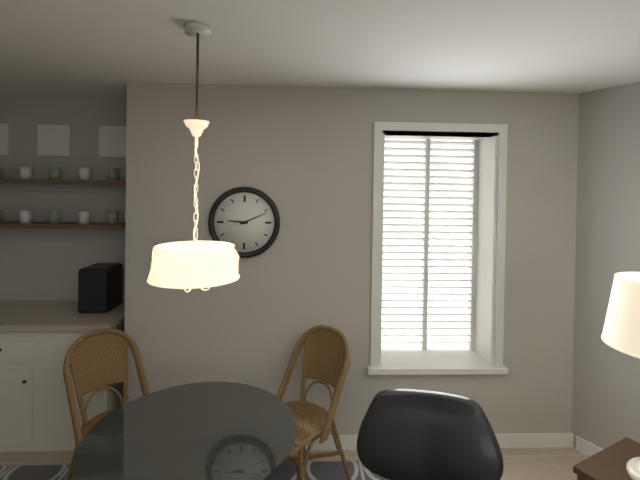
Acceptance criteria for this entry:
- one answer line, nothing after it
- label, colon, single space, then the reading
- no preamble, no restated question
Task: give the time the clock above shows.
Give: 9:11
